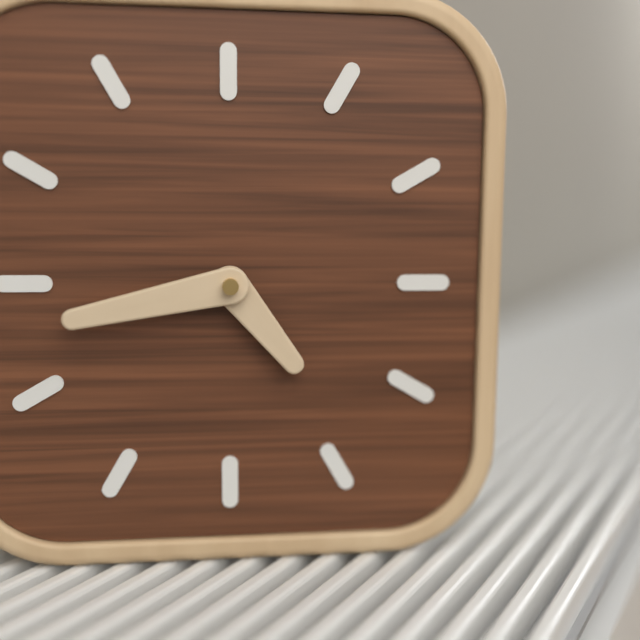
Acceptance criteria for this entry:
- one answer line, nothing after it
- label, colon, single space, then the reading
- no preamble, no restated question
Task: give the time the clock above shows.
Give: 4:43
